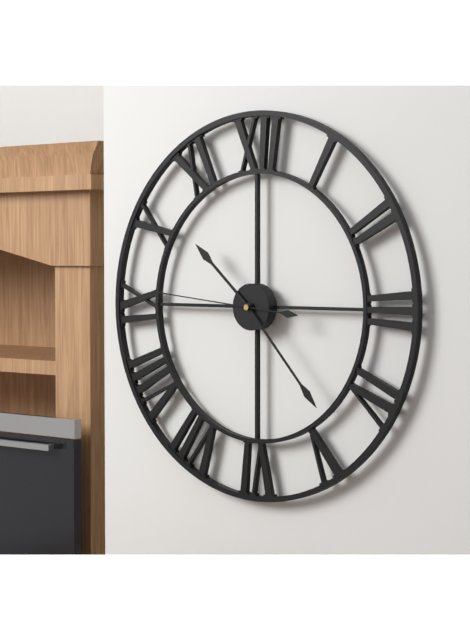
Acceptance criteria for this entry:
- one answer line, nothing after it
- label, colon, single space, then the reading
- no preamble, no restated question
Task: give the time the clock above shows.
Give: 10:23:46
